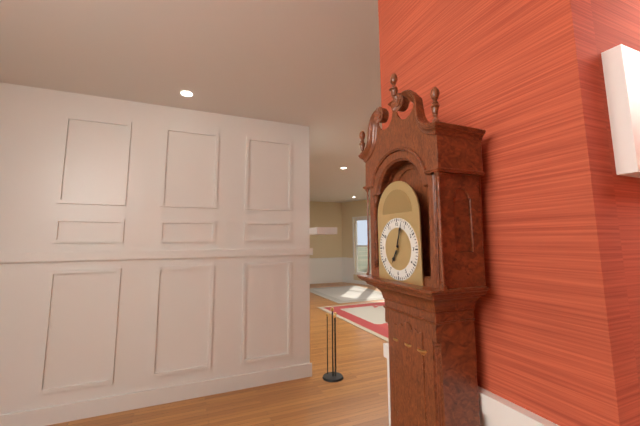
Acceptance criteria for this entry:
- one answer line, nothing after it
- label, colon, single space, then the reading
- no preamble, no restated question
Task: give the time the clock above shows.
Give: 7:03
